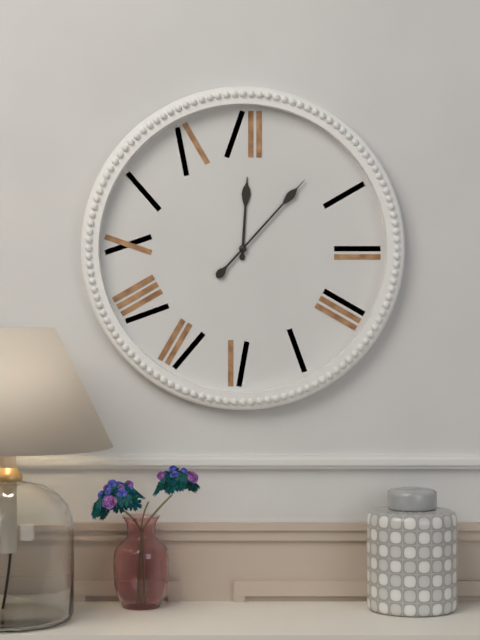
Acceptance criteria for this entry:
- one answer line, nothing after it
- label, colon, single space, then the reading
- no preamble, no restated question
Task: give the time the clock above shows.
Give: 12:07
